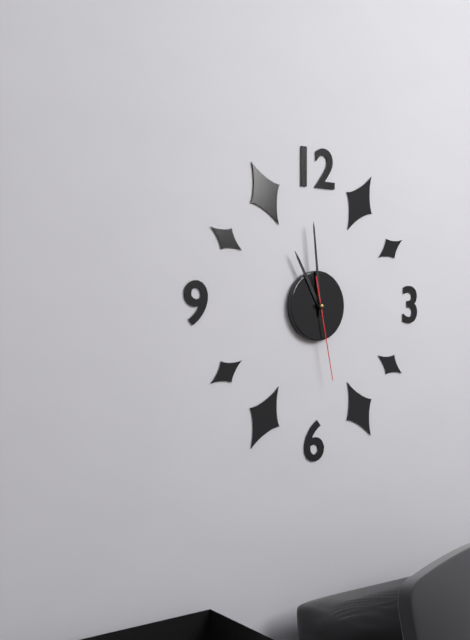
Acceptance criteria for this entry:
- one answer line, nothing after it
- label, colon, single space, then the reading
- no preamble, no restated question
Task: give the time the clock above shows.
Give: 10:59:28
